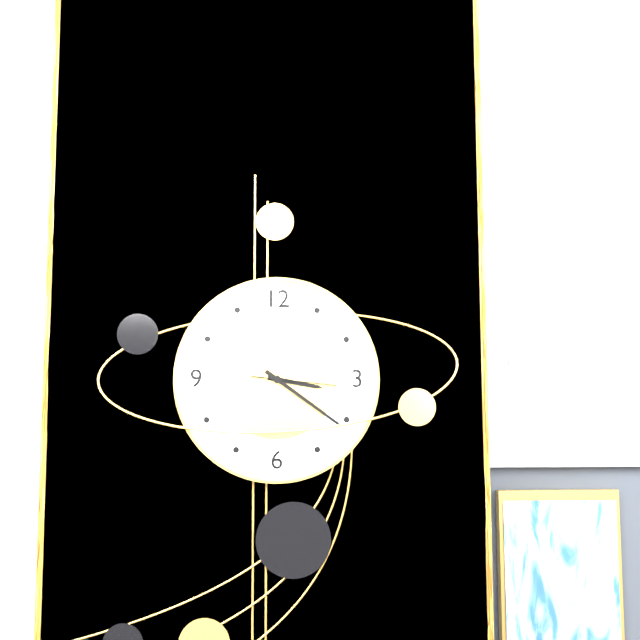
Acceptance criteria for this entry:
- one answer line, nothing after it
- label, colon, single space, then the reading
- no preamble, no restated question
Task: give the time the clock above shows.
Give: 3:21:16
